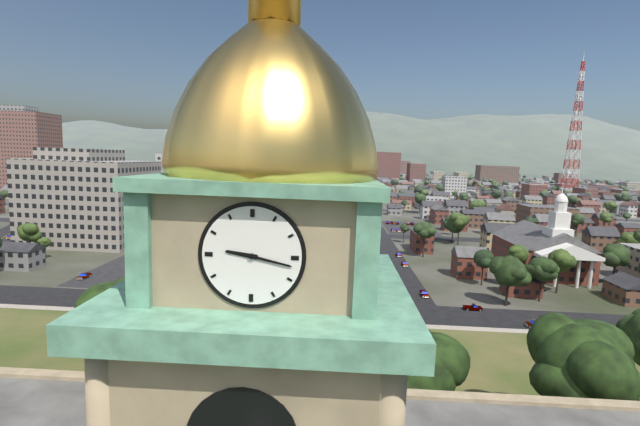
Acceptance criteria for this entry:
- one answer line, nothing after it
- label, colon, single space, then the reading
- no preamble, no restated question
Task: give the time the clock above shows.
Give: 9:17
